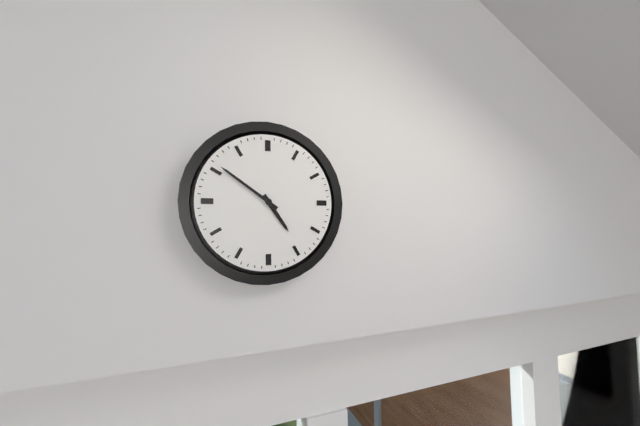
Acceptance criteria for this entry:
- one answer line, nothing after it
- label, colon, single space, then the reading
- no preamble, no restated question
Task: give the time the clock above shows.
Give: 4:51
